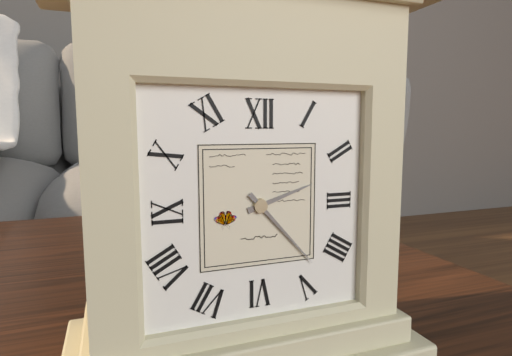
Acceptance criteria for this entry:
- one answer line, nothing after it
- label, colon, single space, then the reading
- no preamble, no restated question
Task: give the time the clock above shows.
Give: 2:23
